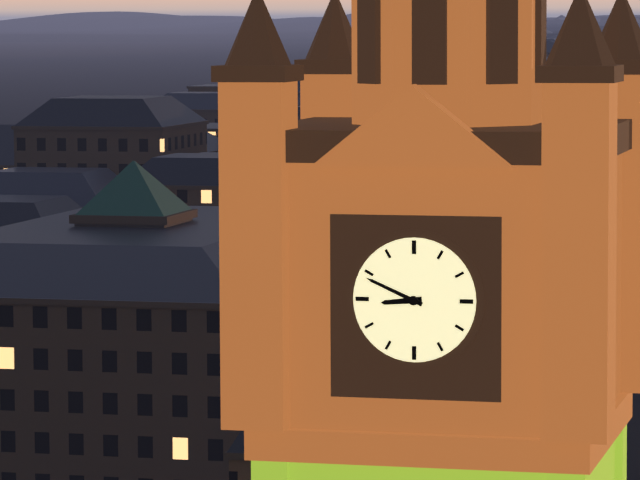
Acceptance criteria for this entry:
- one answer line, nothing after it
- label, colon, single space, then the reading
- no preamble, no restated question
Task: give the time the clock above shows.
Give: 8:49
